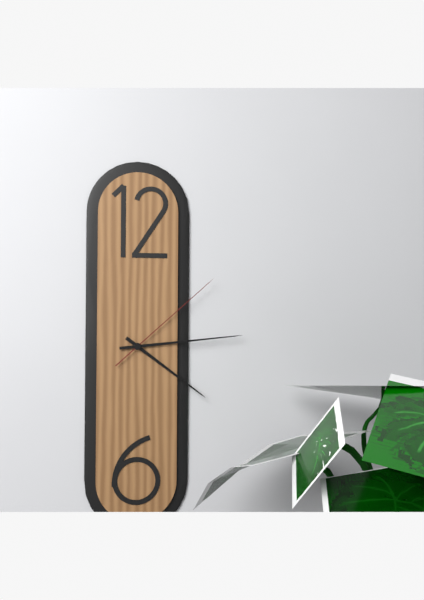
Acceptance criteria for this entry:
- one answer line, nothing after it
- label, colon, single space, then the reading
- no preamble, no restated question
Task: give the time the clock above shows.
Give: 4:14:08
